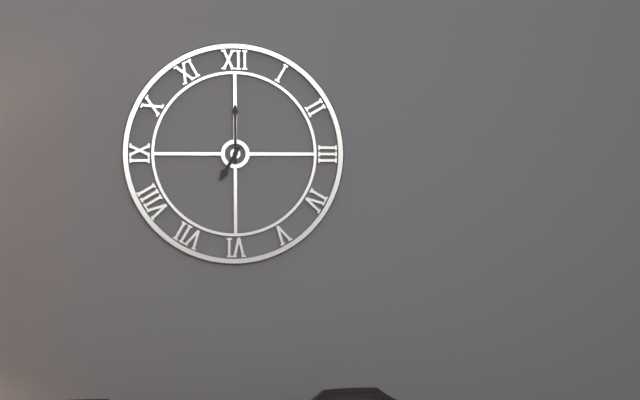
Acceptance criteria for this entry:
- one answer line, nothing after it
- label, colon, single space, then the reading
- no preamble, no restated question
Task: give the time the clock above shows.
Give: 7:00
